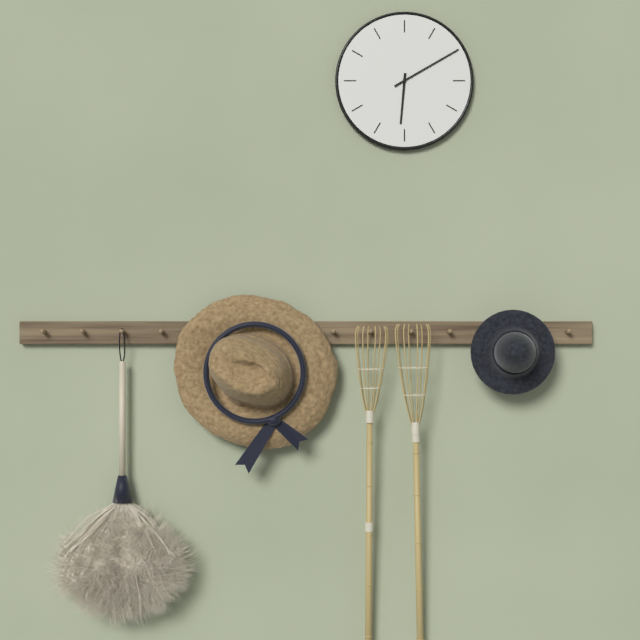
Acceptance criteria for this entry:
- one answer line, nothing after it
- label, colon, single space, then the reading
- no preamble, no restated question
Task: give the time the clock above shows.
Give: 6:10
